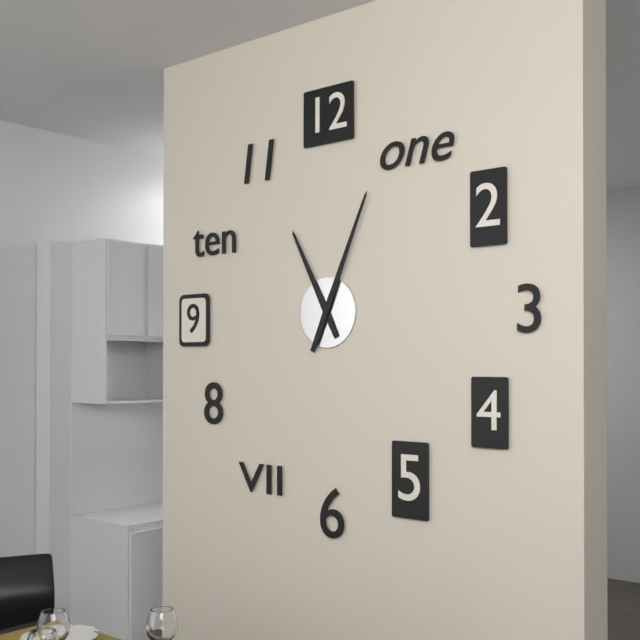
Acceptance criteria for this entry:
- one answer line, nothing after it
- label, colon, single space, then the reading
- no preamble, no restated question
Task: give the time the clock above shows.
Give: 11:04
